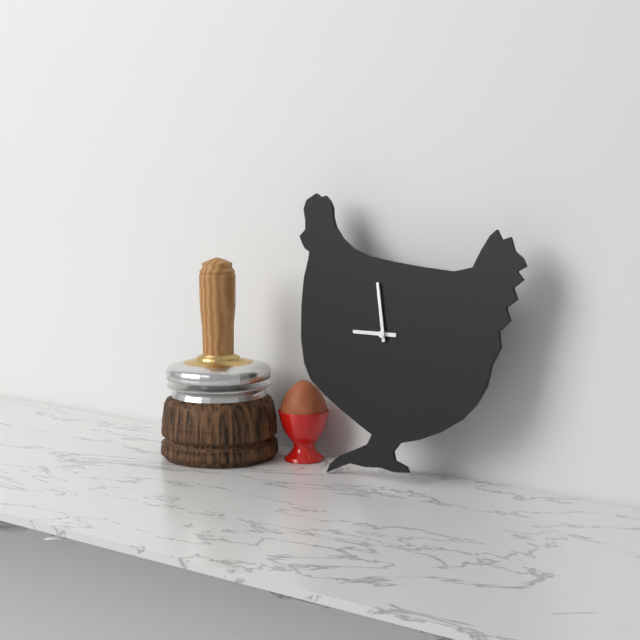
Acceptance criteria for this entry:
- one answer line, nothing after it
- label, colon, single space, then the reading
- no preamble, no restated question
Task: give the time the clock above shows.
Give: 8:58
